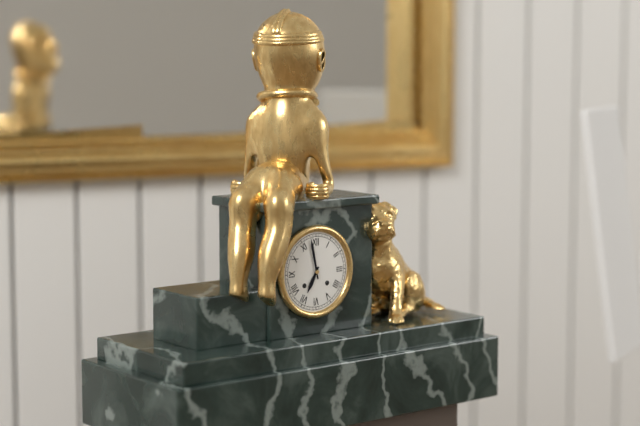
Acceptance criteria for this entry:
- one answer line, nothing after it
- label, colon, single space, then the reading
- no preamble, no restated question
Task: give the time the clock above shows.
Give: 6:58
